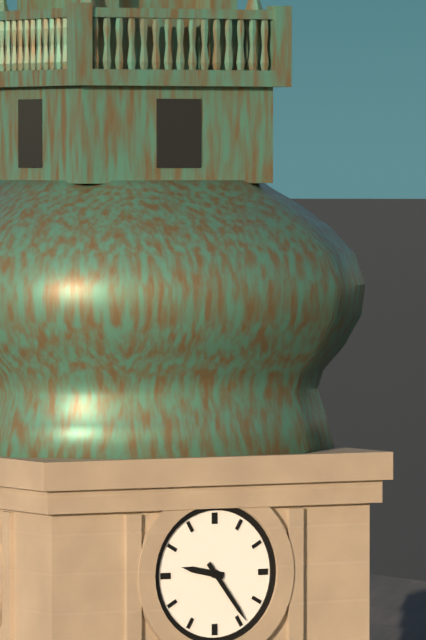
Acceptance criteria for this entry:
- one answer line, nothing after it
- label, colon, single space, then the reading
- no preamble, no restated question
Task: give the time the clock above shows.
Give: 9:24
